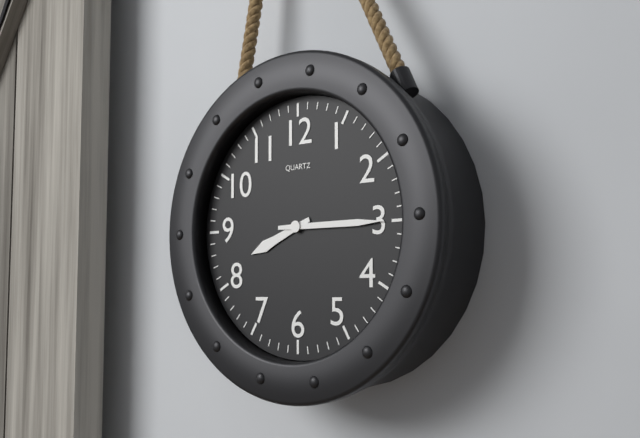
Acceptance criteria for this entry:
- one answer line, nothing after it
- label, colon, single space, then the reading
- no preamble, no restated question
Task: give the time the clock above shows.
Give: 8:15
